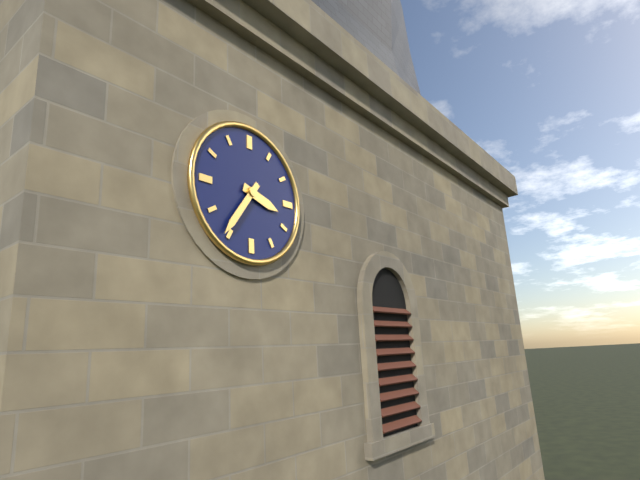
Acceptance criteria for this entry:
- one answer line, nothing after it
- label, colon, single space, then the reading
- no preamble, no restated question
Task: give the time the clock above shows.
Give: 3:36
